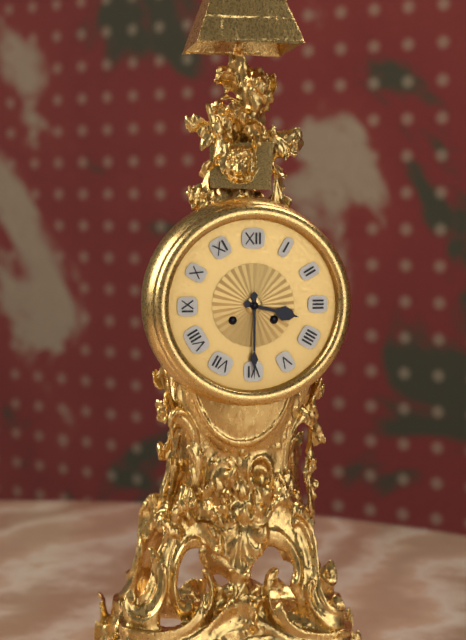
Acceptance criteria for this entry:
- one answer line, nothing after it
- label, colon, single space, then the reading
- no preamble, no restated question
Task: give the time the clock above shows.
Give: 3:30
